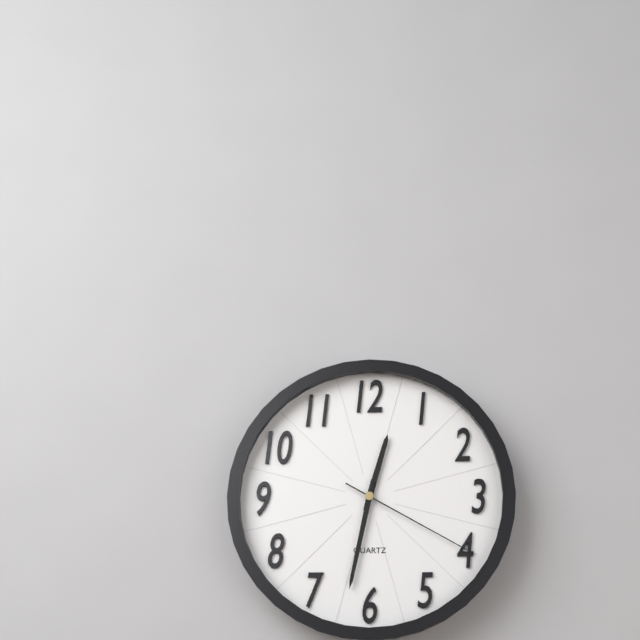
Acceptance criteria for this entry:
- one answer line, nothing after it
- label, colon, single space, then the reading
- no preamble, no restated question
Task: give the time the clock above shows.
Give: 12:32:20
